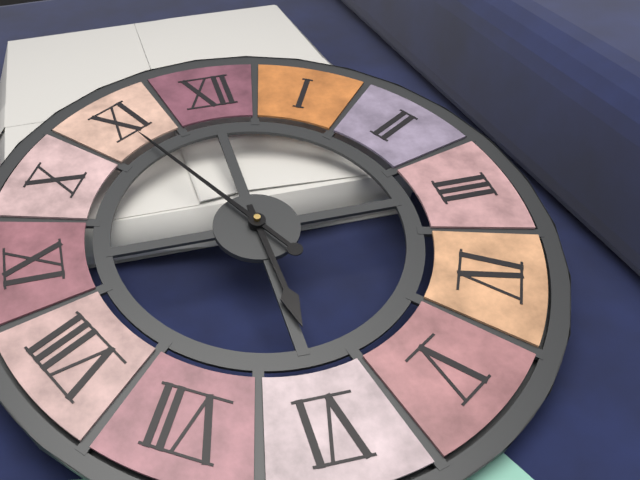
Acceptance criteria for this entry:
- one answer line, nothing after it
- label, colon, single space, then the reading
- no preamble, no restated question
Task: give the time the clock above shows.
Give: 5:55
